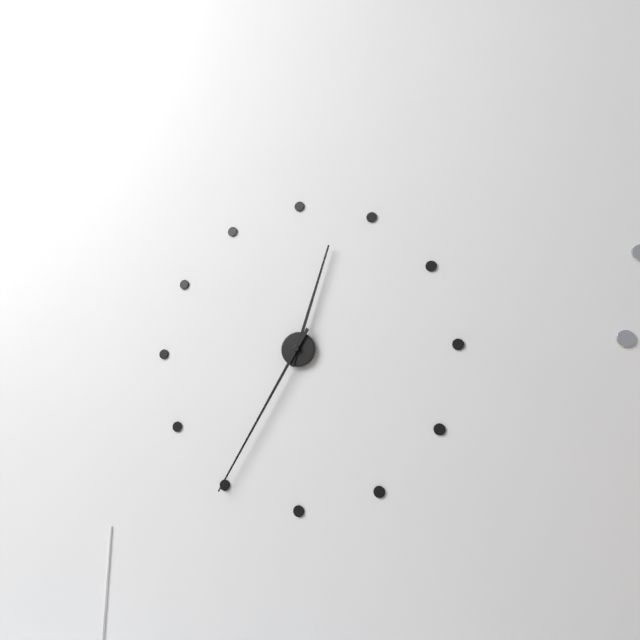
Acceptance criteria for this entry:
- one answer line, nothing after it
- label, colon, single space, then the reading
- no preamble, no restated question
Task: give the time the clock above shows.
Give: 12:35
